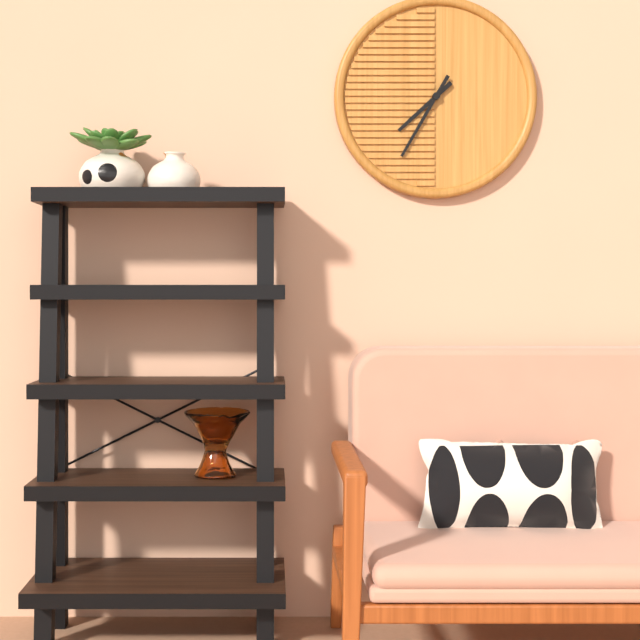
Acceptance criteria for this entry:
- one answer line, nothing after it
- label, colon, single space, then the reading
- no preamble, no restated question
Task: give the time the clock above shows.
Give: 7:35
